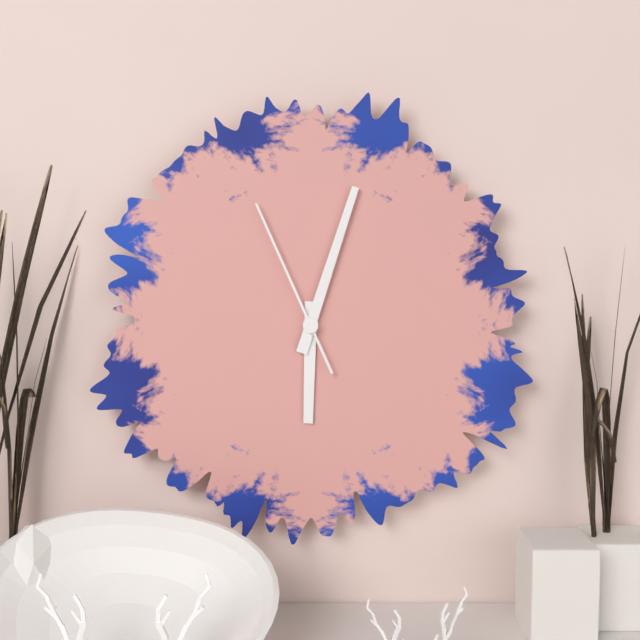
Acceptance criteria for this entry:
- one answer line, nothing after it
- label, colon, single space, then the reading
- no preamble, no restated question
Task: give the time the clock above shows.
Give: 6:03:56
